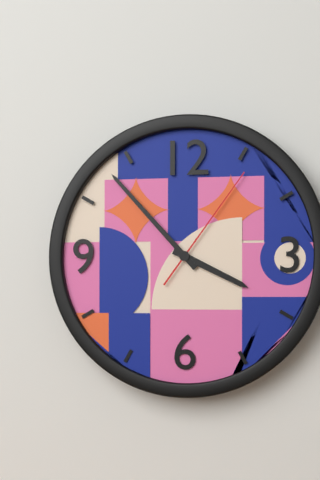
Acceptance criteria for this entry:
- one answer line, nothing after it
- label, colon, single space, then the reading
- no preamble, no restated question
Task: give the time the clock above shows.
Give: 3:53:06
